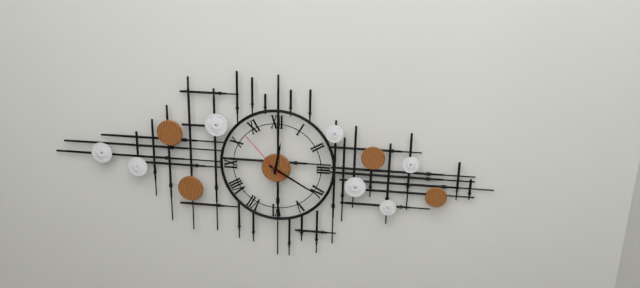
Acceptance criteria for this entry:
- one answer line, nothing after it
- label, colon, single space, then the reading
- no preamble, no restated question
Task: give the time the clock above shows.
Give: 12:20:53
